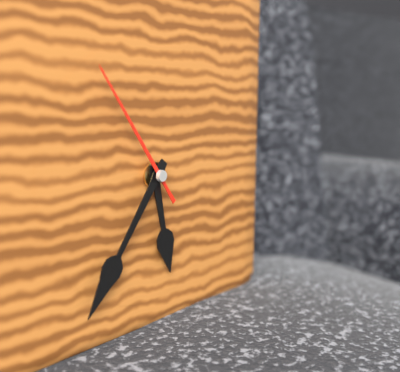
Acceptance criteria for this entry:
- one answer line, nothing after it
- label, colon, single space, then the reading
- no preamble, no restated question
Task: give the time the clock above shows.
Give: 5:36:54
